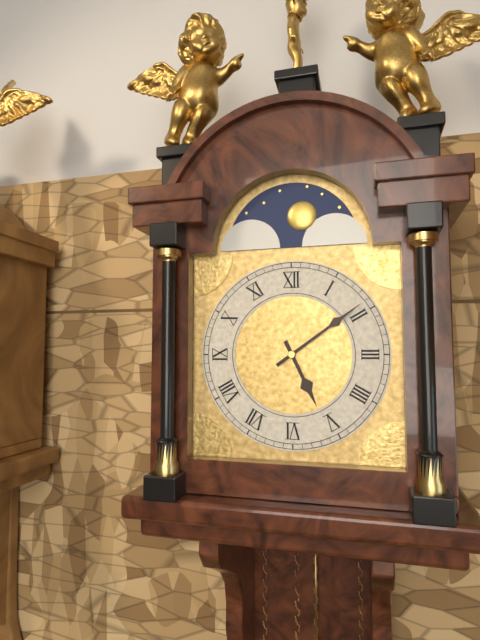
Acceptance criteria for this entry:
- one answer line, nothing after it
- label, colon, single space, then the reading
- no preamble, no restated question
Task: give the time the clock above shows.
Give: 5:09
